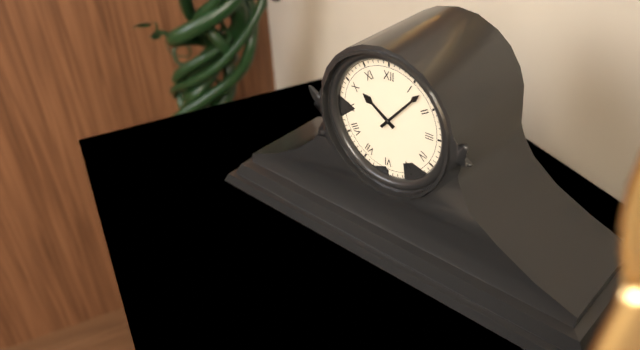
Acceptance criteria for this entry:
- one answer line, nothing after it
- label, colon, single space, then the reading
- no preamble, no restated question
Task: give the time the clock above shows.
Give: 10:07
